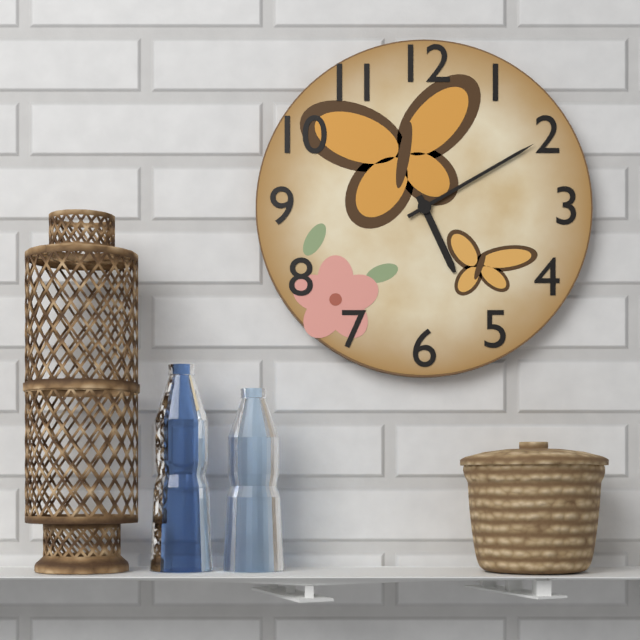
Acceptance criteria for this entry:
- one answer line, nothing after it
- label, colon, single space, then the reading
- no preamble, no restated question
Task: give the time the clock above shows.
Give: 5:10
